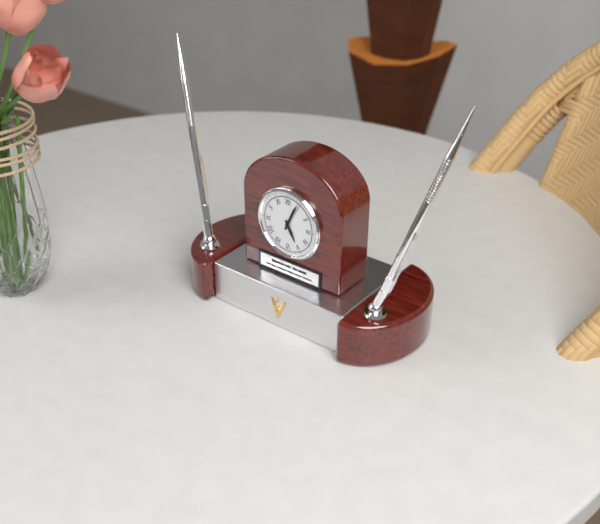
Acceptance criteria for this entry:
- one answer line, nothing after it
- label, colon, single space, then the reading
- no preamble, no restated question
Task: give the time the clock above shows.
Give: 5:04
